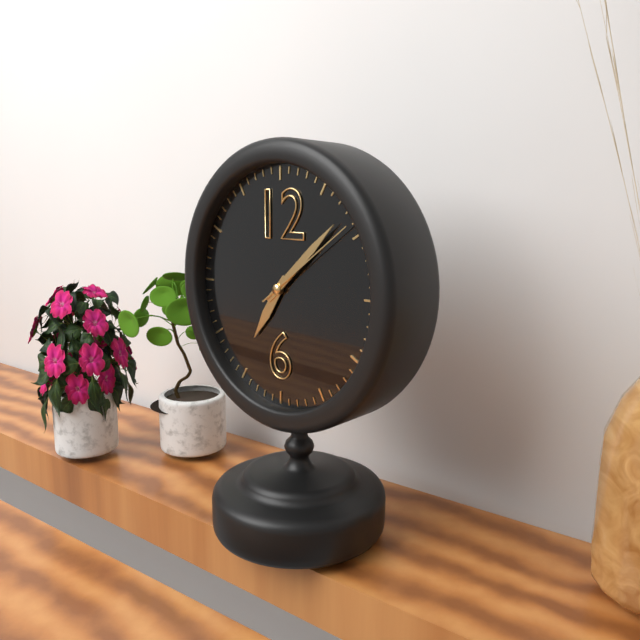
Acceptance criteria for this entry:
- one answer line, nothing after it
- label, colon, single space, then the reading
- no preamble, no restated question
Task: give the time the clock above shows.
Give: 7:08:09
